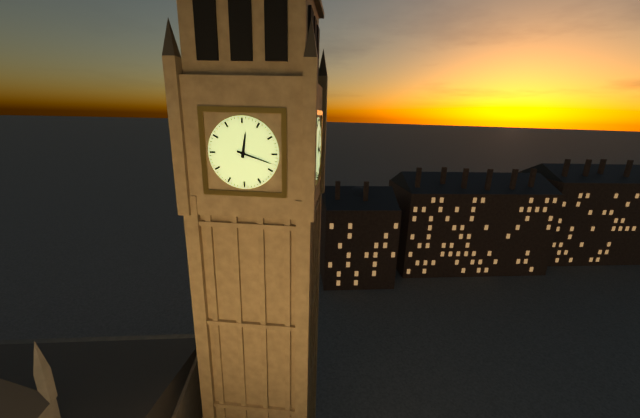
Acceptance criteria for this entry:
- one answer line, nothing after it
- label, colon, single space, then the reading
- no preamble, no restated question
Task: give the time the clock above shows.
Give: 12:18
